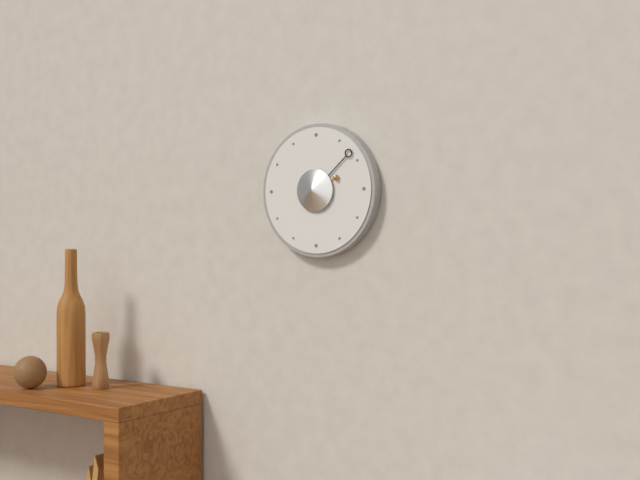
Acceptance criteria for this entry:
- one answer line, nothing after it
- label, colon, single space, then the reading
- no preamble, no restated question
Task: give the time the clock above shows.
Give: 2:08
